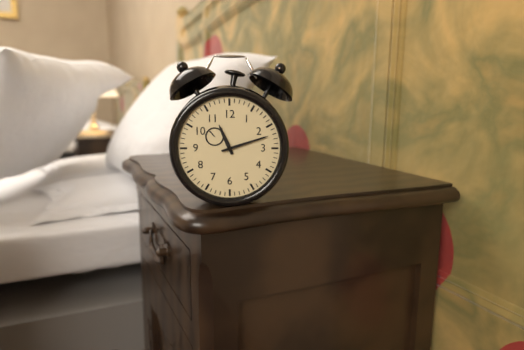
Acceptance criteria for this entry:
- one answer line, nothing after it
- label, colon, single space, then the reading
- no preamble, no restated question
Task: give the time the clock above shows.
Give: 11:12
